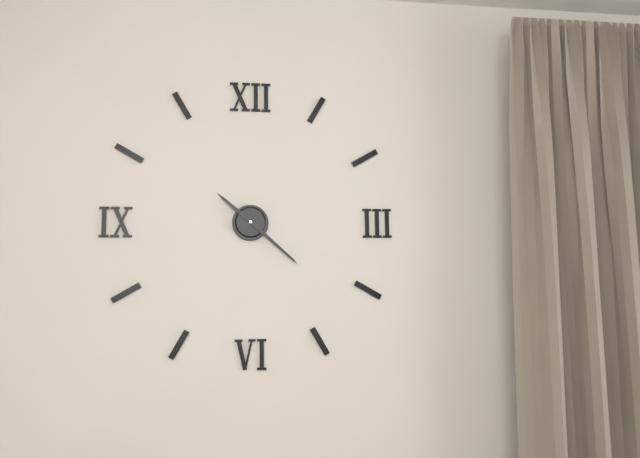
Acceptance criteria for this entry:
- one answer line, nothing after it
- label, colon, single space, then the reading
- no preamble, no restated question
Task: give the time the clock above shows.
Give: 10:22
